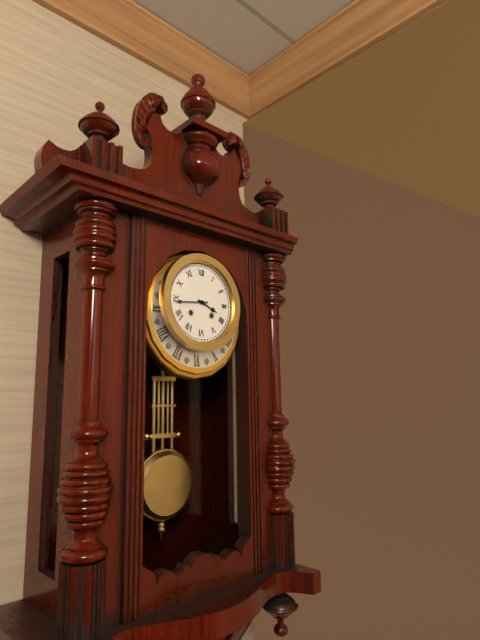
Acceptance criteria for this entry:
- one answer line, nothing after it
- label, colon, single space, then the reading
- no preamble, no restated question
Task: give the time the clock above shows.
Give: 3:44
